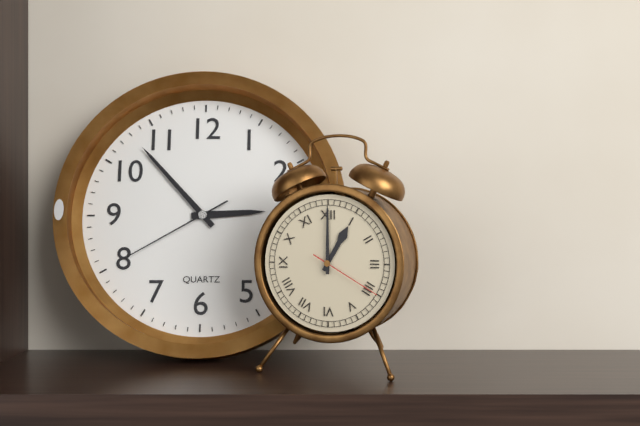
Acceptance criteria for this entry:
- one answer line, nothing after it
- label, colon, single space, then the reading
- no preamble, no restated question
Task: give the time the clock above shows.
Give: 2:53:40
